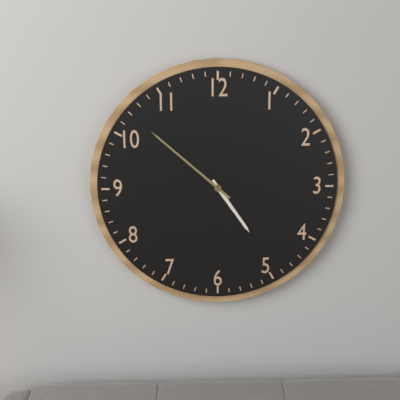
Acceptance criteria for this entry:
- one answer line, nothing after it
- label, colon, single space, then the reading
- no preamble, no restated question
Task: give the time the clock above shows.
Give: 4:52
